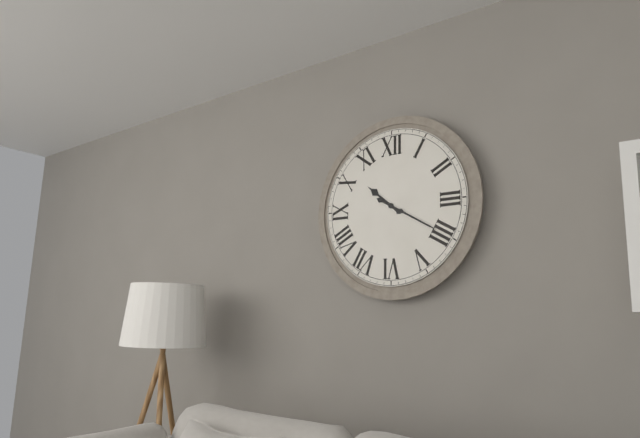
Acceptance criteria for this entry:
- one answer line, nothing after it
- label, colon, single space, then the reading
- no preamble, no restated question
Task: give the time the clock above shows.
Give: 10:20
